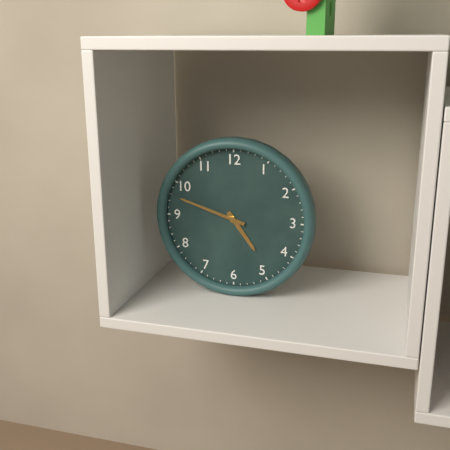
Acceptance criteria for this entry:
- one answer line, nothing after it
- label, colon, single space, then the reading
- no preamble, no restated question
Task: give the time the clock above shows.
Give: 4:48
